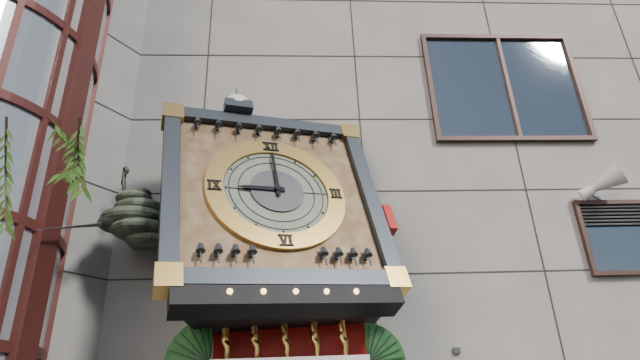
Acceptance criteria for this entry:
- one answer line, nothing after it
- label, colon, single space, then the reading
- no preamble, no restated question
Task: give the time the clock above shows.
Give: 9:00
